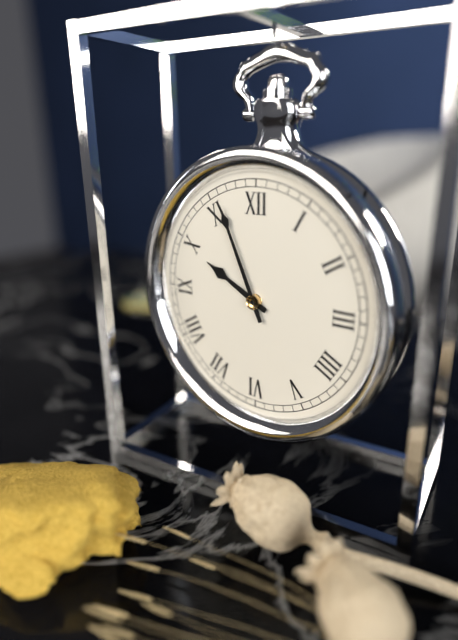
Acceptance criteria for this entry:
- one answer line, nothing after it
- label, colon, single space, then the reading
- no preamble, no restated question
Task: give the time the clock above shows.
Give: 9:56
